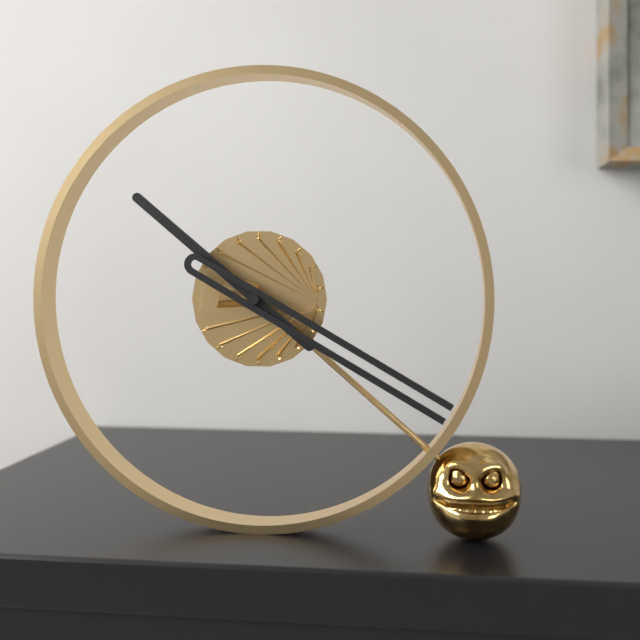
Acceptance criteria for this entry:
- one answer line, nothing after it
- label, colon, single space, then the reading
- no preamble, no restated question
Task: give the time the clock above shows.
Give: 10:20
